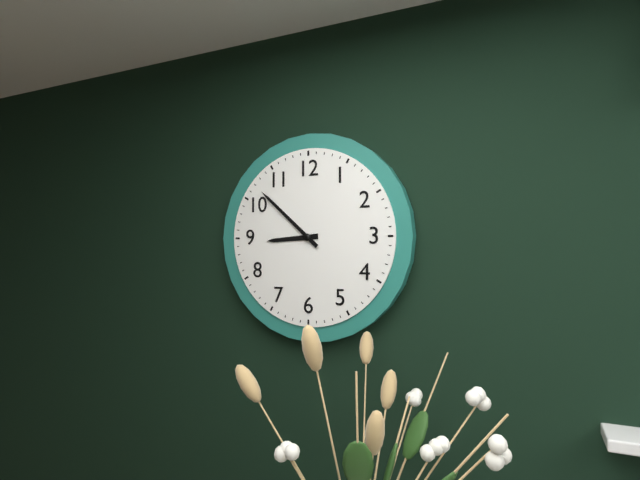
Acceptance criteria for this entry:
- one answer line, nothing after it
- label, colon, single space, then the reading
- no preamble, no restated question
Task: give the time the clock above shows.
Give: 8:52
